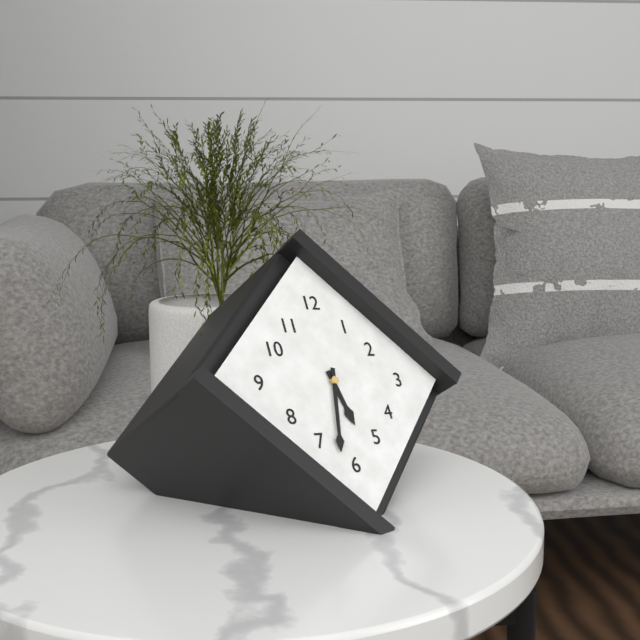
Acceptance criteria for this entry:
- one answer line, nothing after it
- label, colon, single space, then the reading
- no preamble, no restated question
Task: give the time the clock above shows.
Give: 5:32
